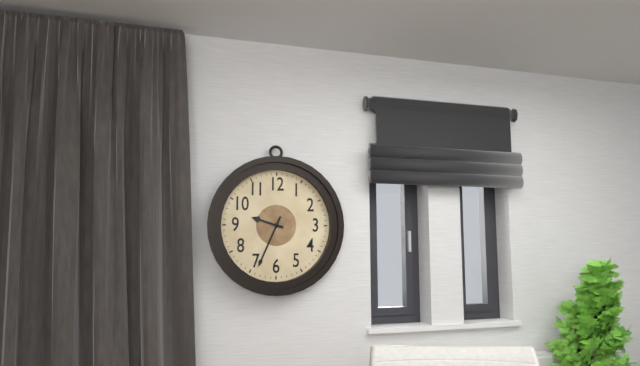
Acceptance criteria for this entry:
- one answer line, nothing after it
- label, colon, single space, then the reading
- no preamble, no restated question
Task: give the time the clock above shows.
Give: 9:34
